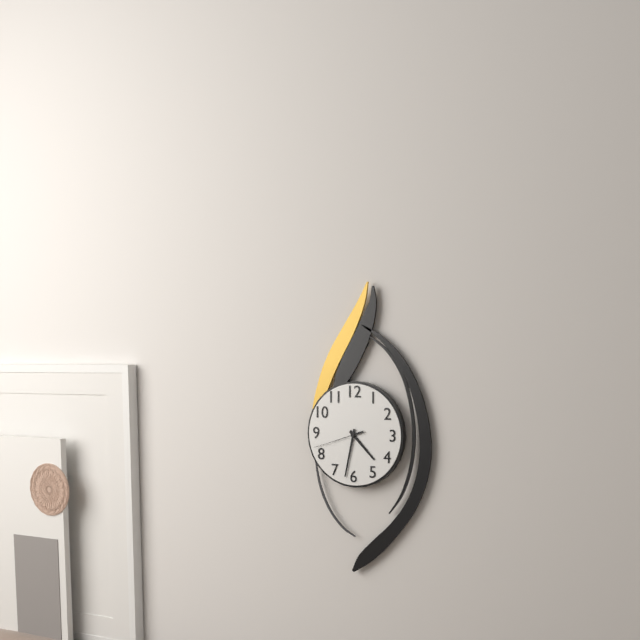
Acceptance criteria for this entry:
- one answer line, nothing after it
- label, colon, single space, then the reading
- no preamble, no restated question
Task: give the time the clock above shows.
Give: 4:32:42
